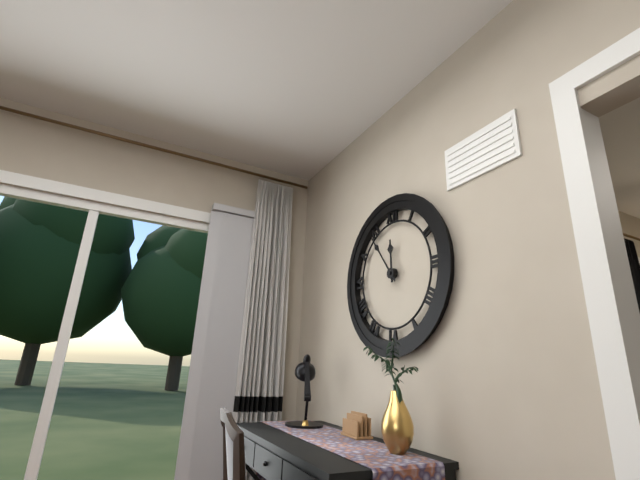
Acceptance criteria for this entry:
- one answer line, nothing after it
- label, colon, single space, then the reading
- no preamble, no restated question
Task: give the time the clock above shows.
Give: 11:54
